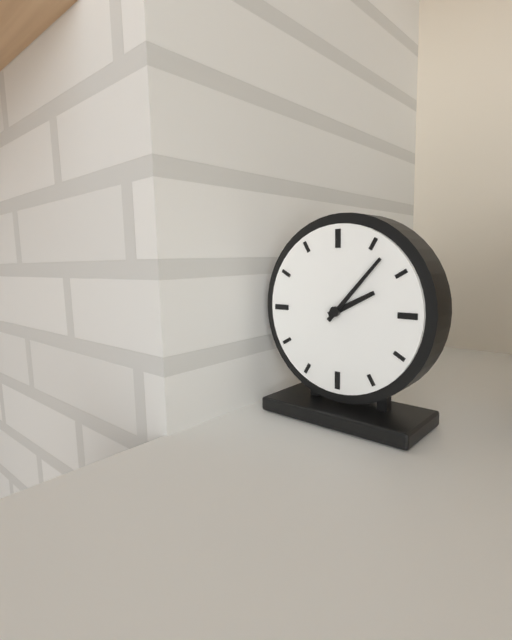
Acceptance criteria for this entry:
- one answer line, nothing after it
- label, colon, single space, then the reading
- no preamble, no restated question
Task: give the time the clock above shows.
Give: 2:07
